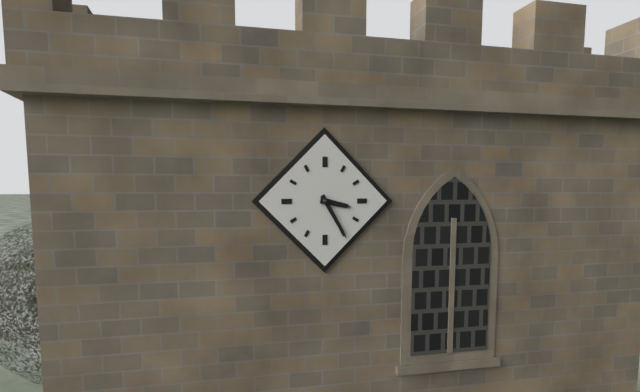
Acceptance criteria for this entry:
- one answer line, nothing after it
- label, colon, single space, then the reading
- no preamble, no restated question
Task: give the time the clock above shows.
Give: 3:25
